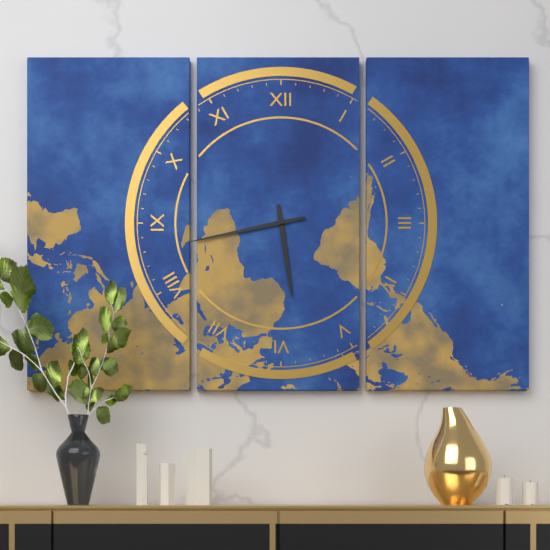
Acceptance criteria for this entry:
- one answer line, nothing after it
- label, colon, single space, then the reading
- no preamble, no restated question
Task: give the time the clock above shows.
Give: 5:43
